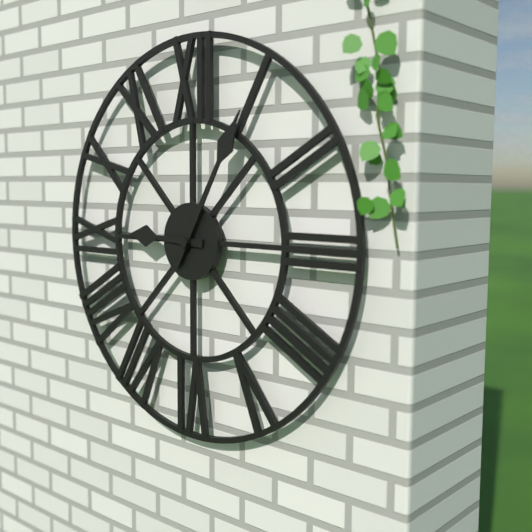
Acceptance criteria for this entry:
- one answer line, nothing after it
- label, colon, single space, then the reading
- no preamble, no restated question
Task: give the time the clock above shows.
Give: 9:05
